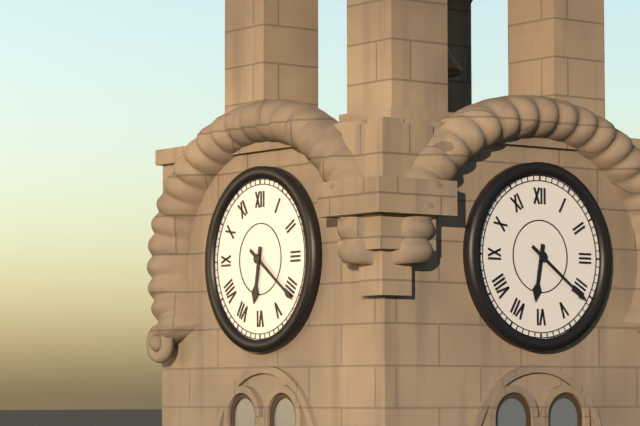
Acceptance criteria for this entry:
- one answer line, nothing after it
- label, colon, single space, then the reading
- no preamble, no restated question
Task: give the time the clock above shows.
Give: 6:21
